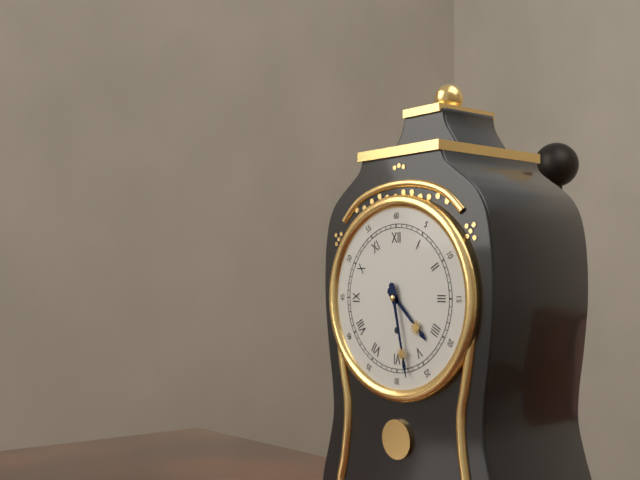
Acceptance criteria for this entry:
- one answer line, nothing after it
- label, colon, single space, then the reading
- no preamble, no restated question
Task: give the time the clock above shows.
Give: 4:28
